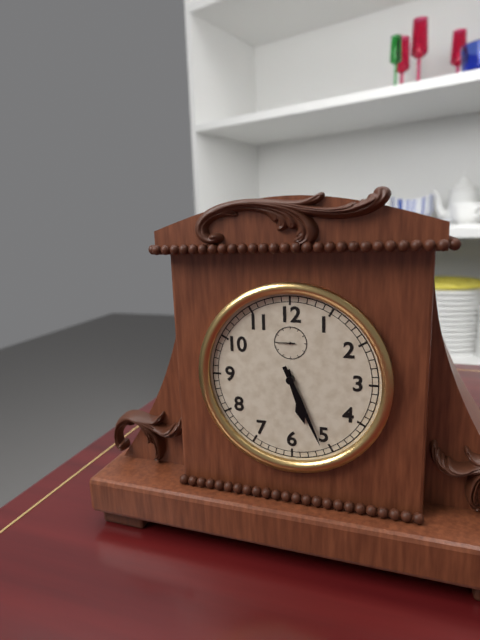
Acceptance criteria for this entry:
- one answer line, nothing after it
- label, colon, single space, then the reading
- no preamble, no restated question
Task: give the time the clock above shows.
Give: 5:26
